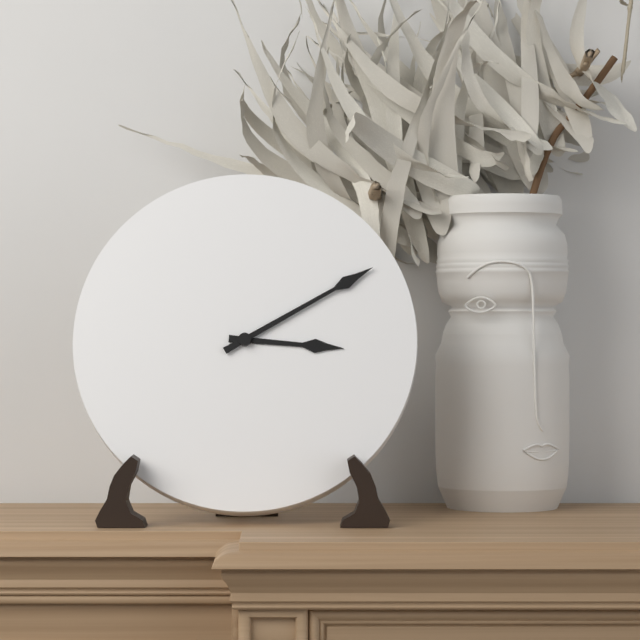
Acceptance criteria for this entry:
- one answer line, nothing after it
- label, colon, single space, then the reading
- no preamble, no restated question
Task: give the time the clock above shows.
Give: 3:10
